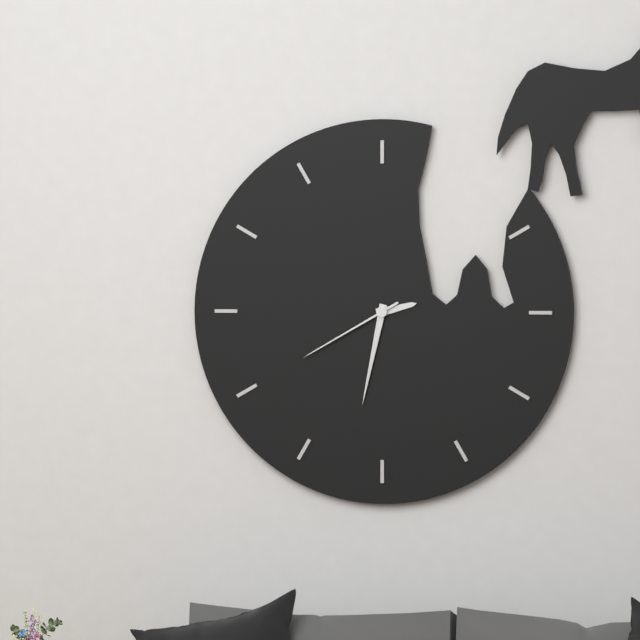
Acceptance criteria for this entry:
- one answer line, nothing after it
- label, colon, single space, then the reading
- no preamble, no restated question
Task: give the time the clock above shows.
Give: 2:32:40
